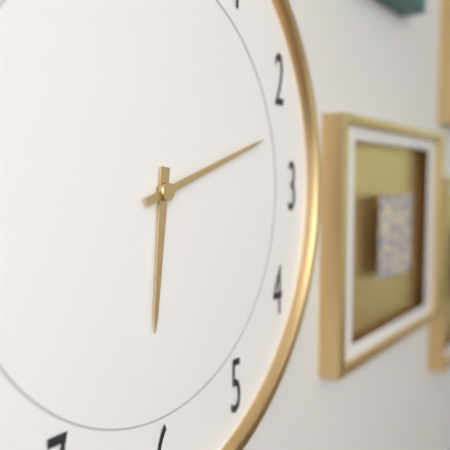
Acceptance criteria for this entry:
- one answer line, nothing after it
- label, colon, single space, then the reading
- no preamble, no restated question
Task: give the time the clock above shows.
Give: 6:12
